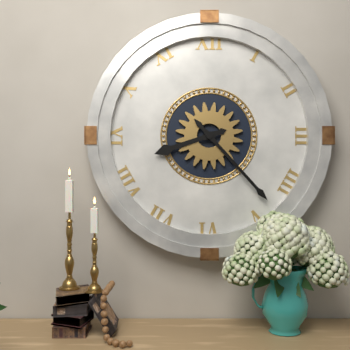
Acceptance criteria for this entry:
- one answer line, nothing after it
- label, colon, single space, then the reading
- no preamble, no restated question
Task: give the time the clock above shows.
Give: 8:23
